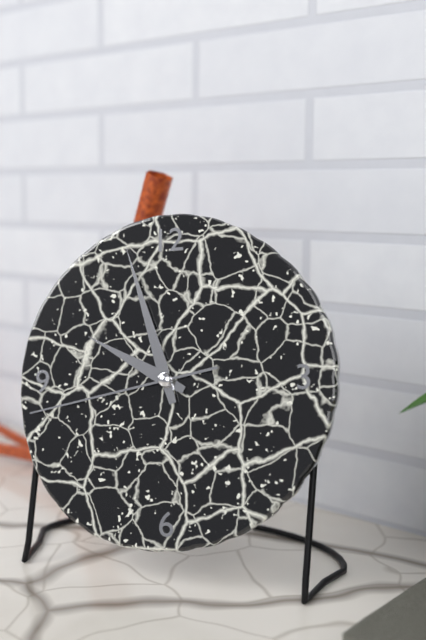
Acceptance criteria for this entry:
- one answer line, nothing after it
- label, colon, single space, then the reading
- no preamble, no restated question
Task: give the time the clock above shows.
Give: 9:57:43
